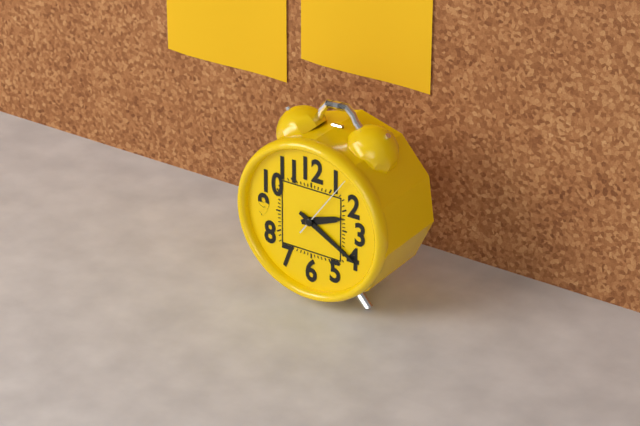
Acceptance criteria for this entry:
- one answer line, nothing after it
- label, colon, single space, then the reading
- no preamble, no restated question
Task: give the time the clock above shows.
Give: 2:20:06
